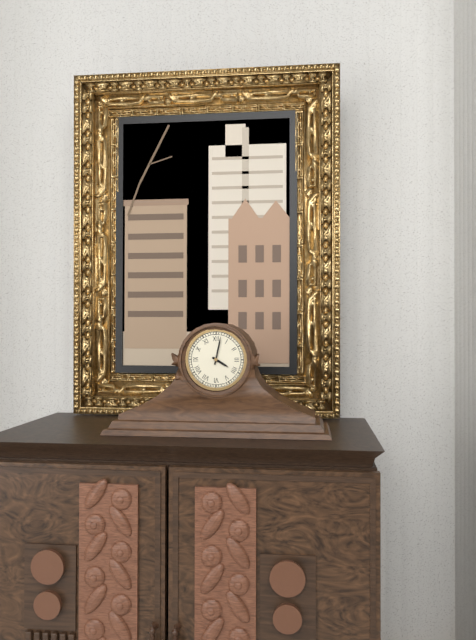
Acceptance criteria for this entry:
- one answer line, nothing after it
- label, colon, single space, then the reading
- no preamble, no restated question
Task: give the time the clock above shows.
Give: 4:02
